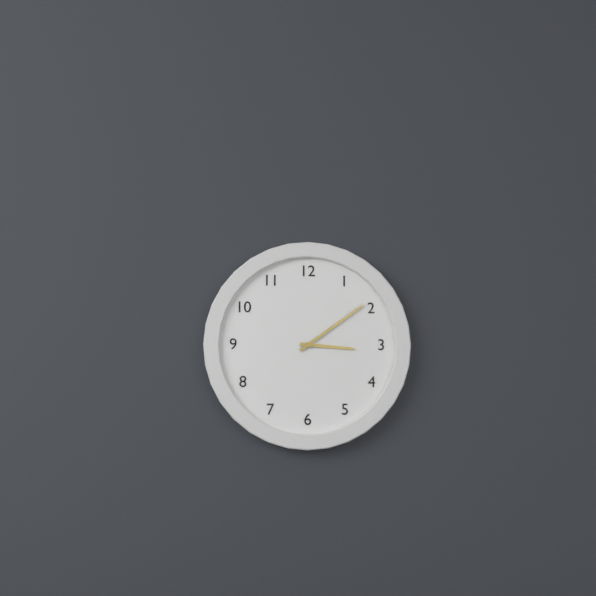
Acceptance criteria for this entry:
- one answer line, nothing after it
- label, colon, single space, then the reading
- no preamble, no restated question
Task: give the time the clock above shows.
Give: 3:09
